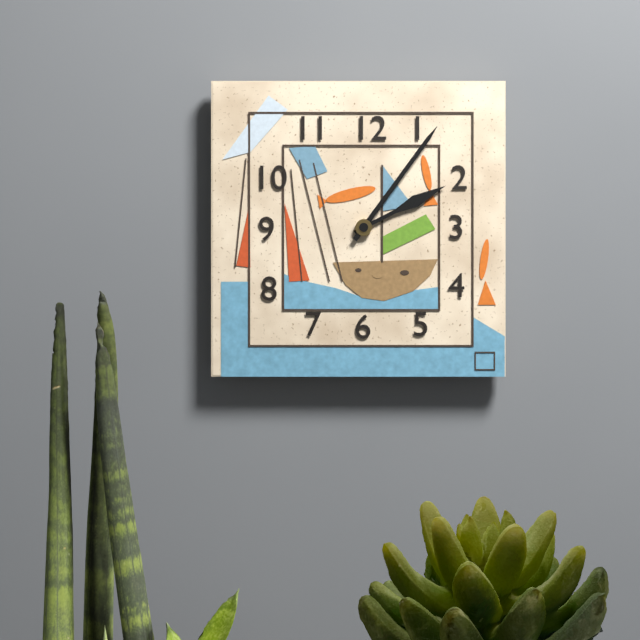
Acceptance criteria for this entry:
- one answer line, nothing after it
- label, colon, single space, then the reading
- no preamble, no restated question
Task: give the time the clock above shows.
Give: 2:06
